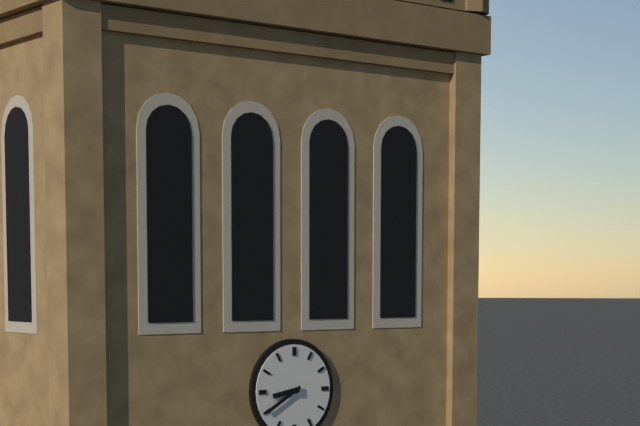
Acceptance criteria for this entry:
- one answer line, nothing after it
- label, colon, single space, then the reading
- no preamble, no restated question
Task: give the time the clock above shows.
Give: 8:40
